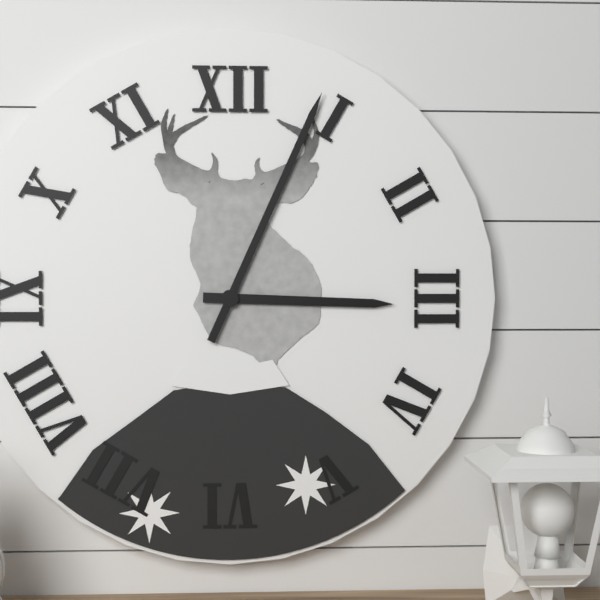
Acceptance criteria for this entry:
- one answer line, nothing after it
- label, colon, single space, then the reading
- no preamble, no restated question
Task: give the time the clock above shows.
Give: 3:04
